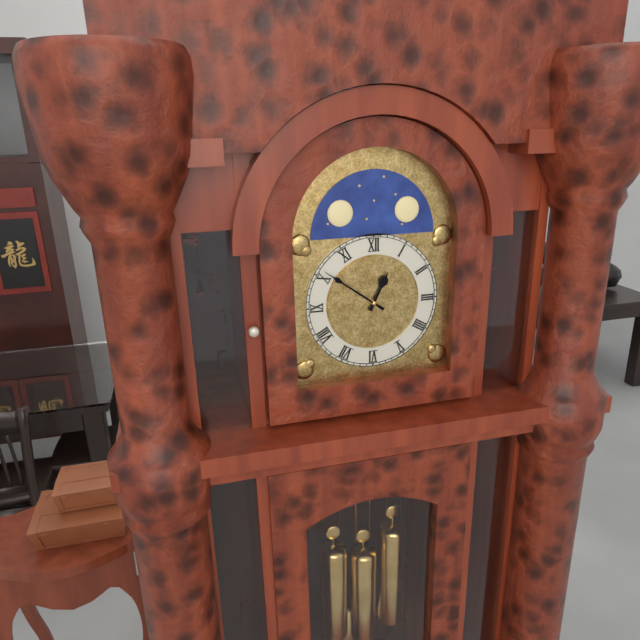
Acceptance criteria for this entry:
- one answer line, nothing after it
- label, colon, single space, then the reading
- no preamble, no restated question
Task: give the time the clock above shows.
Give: 12:51
